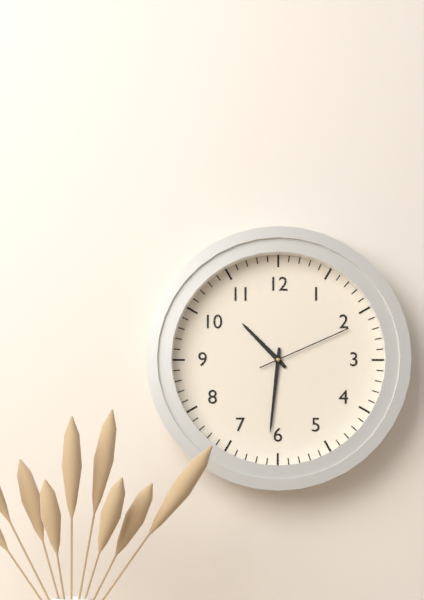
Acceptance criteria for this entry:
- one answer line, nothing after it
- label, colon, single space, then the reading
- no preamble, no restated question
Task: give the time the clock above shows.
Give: 10:31:11
